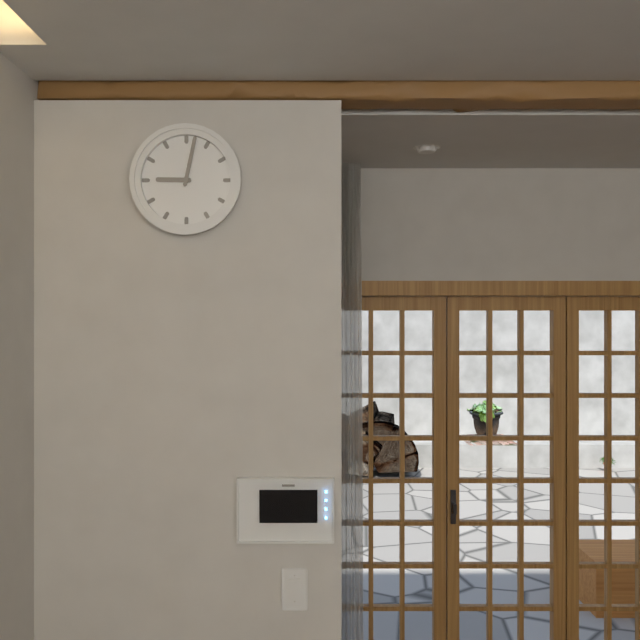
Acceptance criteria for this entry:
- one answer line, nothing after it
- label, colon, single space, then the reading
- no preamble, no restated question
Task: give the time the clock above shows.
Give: 9:02
